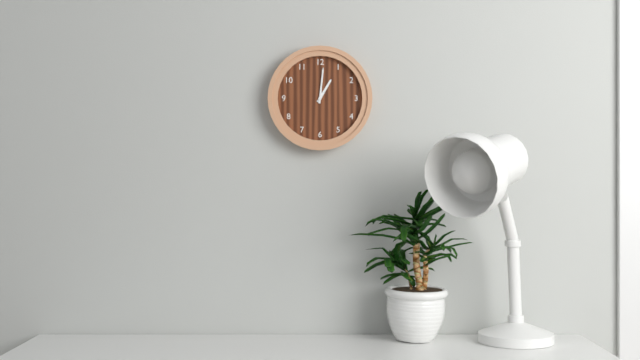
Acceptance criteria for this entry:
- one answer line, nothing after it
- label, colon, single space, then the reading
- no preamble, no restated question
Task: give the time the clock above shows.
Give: 1:01
